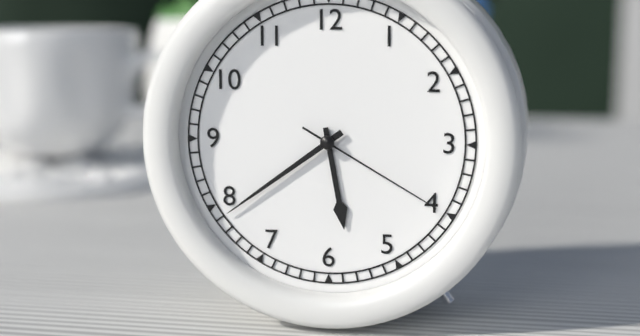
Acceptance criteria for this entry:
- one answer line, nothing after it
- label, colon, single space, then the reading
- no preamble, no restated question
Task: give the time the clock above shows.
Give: 5:39:20
